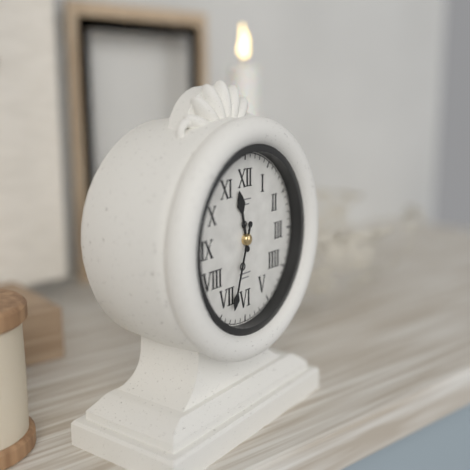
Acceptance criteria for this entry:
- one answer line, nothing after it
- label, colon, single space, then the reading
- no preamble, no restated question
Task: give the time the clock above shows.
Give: 11:33
